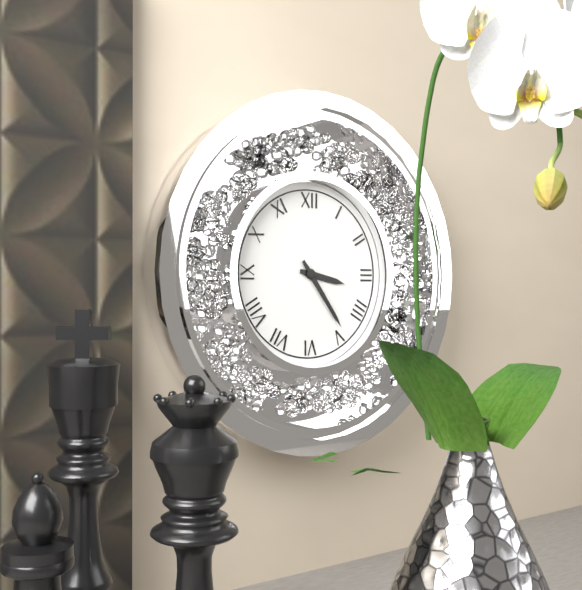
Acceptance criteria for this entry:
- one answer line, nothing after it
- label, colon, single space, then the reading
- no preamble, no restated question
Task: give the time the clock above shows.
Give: 3:24
